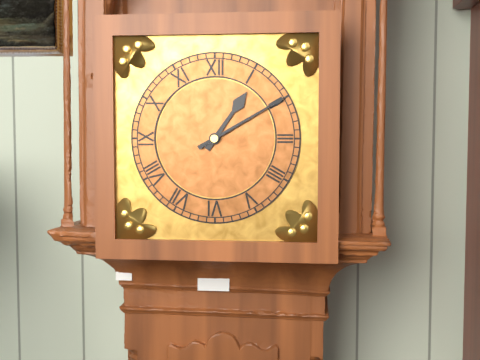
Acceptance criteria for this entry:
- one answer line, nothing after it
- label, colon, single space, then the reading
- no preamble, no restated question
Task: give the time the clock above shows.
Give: 1:10
